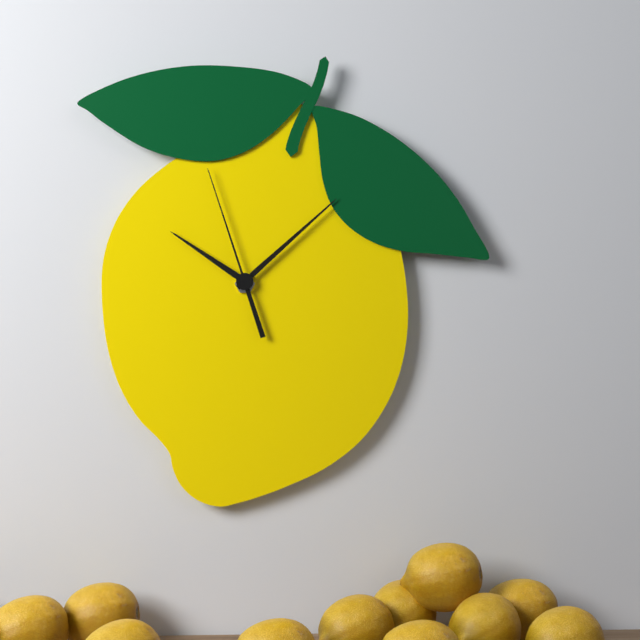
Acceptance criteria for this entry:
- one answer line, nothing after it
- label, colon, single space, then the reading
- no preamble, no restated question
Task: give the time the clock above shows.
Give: 10:08:57
